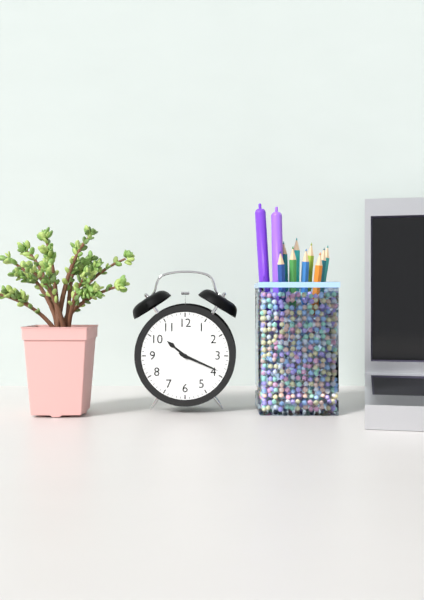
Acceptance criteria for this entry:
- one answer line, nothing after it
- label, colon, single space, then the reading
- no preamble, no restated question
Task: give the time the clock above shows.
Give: 10:19
